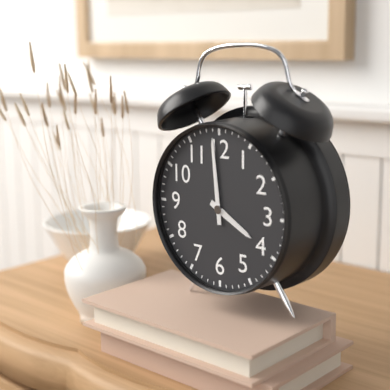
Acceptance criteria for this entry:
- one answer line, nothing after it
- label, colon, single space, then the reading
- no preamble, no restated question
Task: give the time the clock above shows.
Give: 3:59
